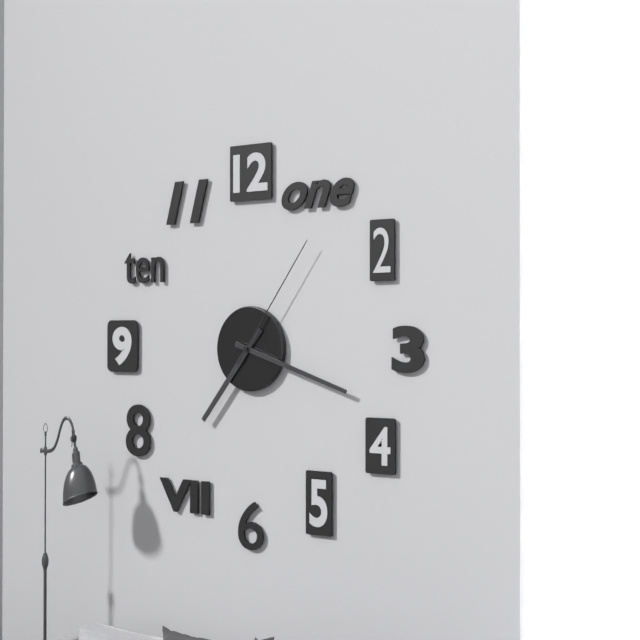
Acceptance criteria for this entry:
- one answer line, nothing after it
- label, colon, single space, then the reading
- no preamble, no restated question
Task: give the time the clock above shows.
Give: 7:18:06
